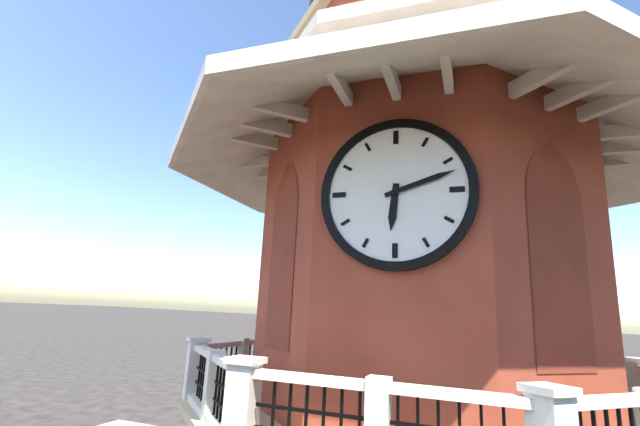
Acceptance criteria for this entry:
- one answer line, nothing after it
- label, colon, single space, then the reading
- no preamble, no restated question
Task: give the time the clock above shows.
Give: 6:12
